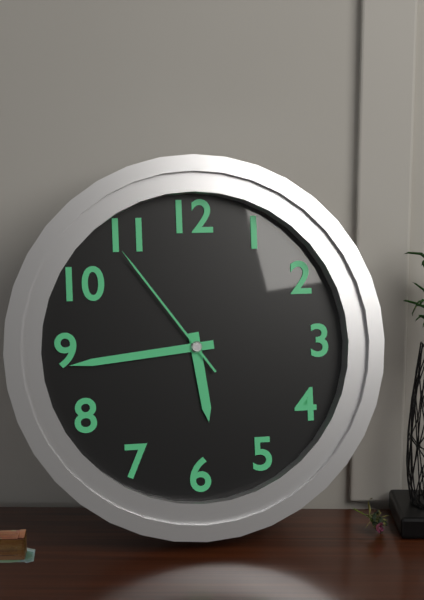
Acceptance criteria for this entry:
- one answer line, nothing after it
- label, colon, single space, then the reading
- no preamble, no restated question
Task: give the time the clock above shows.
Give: 5:44:54
